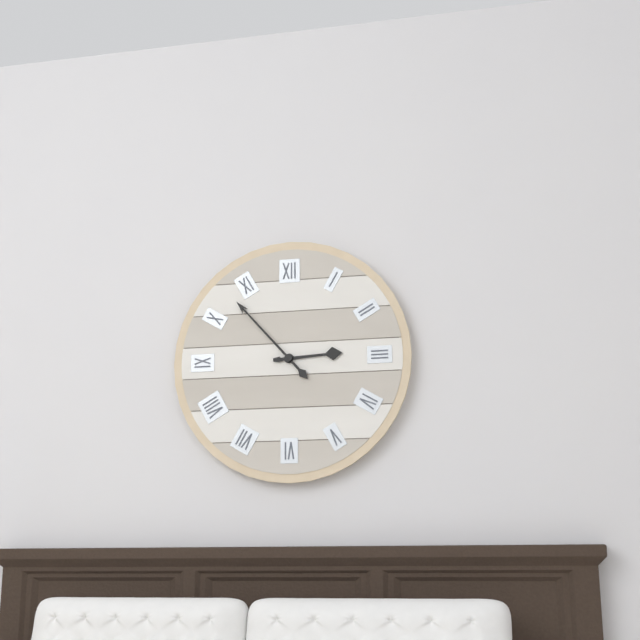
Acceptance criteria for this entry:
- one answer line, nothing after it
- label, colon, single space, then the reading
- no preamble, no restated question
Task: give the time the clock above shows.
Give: 2:53
